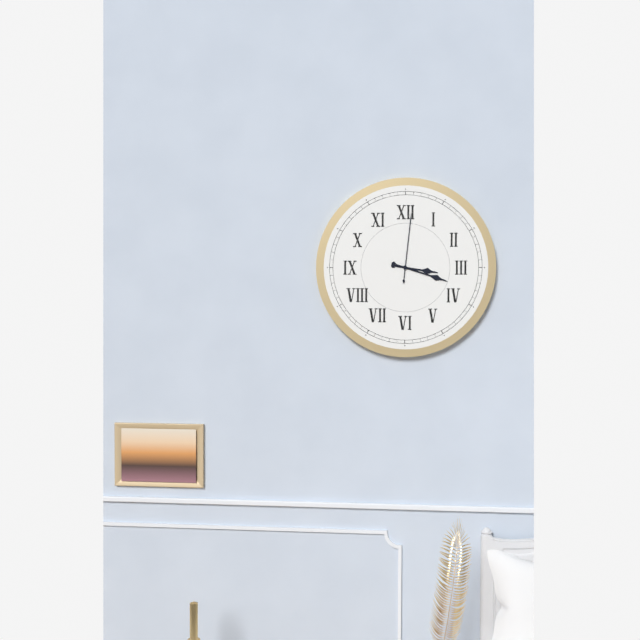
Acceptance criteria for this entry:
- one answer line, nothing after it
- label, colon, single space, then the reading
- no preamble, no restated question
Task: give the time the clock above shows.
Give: 3:18:01
